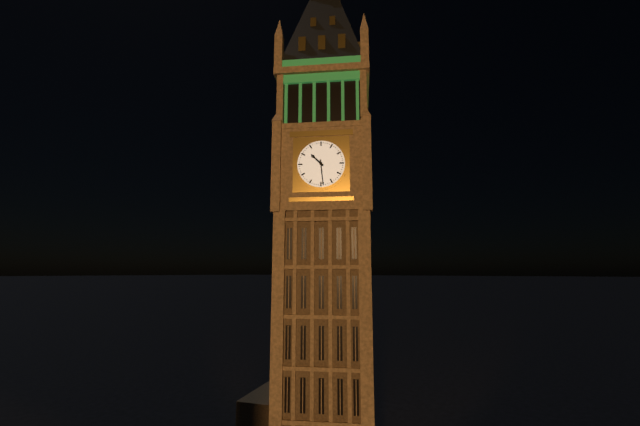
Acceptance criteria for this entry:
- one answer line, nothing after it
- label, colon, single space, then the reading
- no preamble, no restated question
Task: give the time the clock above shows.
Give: 10:29
